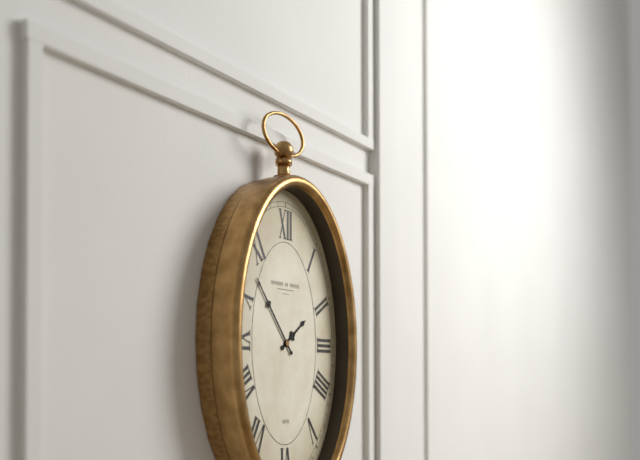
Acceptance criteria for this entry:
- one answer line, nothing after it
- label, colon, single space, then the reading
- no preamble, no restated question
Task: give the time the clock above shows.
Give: 1:53
